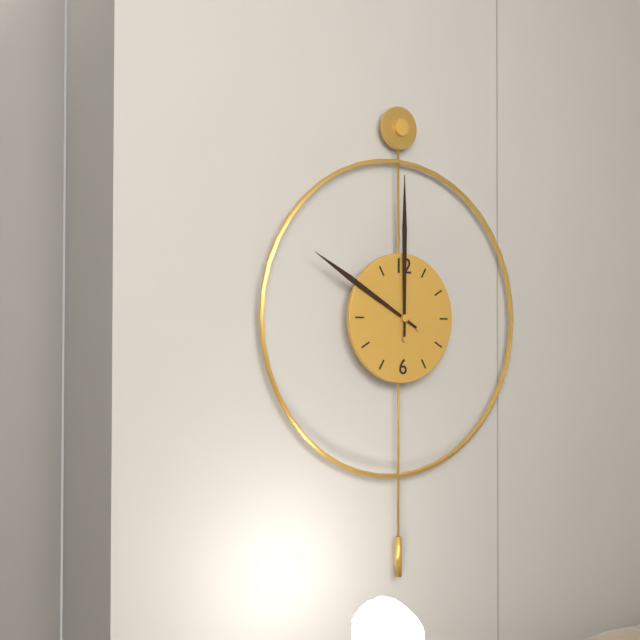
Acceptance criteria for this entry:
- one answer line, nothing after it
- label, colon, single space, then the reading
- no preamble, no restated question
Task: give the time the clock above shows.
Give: 10:00
